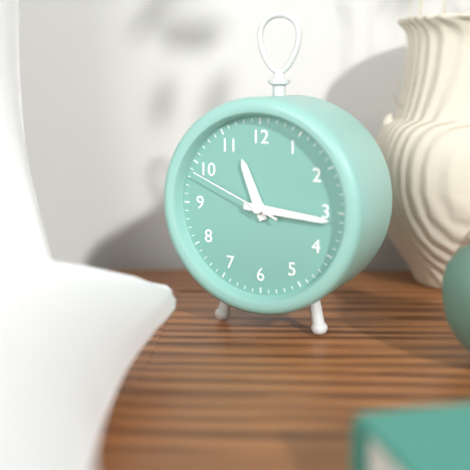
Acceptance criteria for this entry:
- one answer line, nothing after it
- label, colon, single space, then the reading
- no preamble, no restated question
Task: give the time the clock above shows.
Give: 11:16:49
